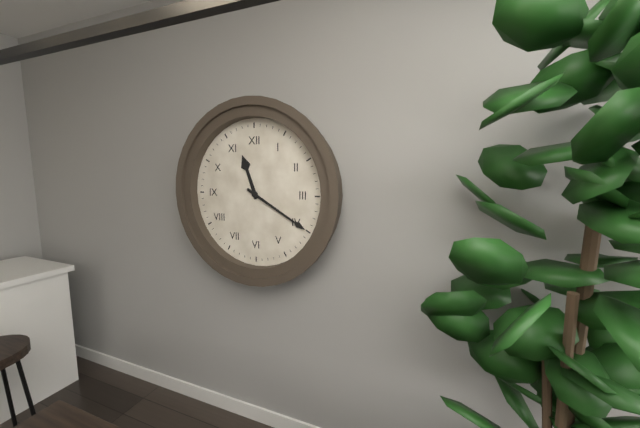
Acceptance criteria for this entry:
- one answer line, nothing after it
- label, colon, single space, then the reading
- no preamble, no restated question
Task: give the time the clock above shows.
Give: 11:20
